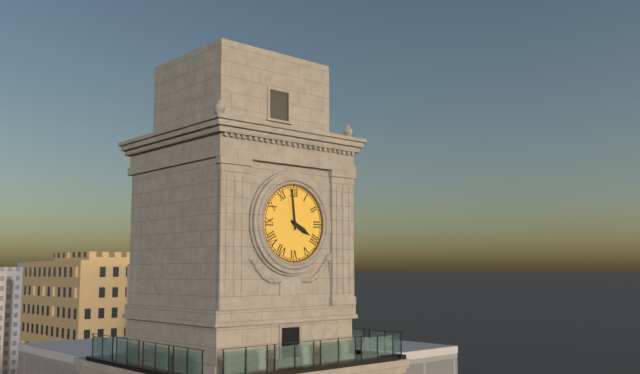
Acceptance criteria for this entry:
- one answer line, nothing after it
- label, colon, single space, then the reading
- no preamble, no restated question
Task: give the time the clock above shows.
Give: 3:59
